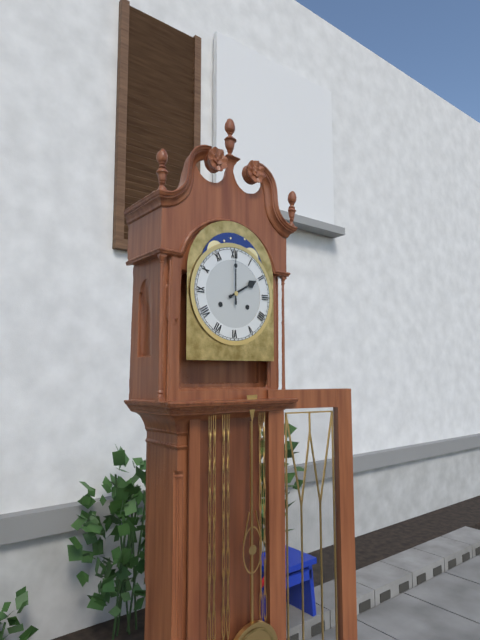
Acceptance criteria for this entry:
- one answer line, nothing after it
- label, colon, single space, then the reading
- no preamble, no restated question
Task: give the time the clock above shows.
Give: 2:00
